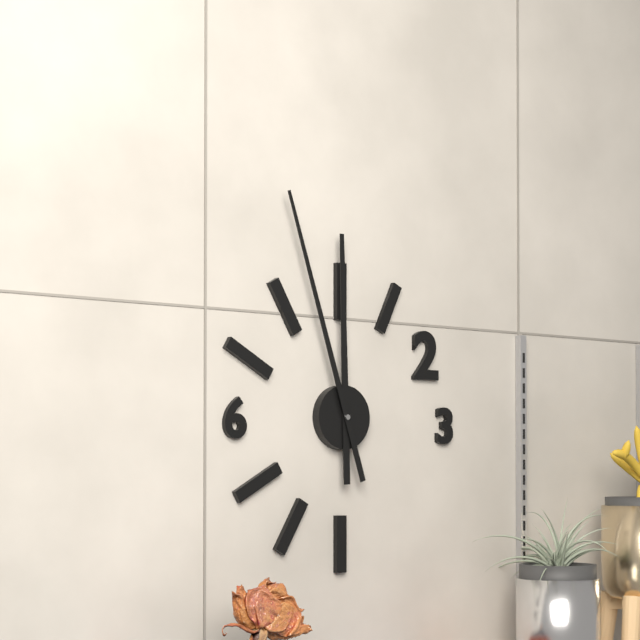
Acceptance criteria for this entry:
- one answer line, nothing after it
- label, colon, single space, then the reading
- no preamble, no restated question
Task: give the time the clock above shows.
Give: 11:57
